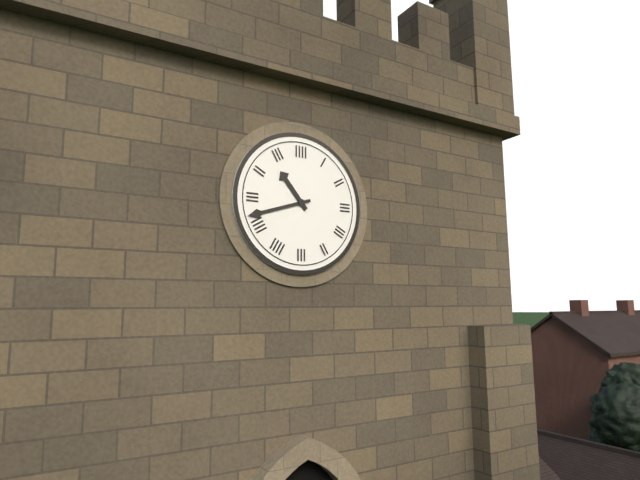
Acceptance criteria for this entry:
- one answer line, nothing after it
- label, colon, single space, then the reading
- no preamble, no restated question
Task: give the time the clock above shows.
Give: 10:42
